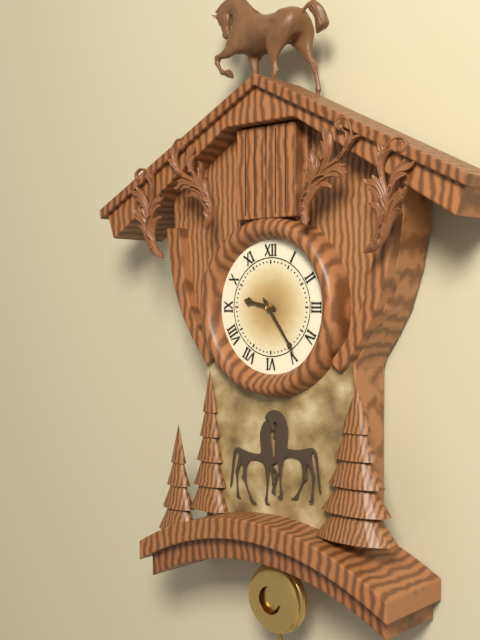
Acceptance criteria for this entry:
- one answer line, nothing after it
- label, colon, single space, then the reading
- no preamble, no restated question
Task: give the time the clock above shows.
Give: 9:24
